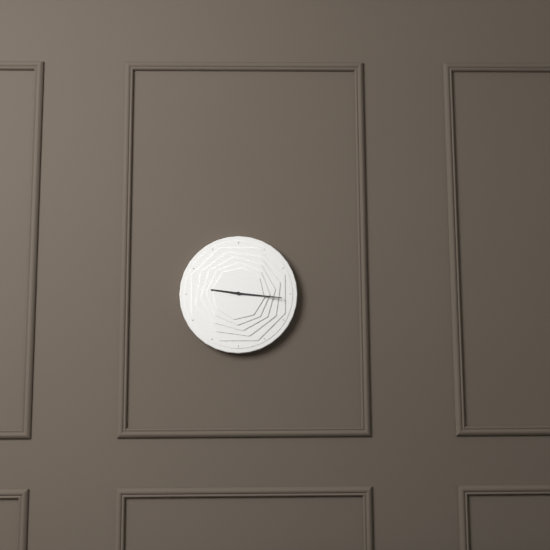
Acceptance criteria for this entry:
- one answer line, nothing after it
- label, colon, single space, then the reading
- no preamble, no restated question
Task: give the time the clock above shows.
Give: 9:16
